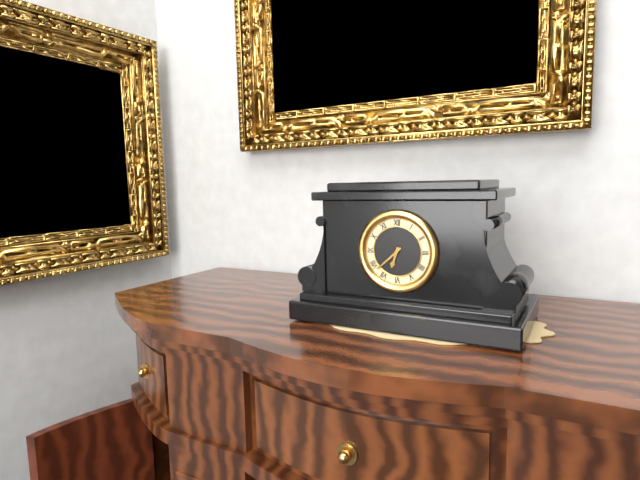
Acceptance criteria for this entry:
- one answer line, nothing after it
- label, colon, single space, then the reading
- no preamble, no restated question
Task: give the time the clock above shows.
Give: 6:38
